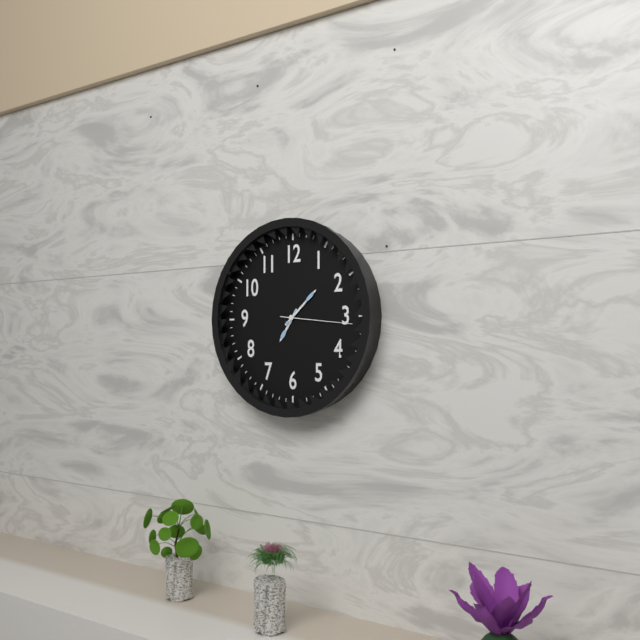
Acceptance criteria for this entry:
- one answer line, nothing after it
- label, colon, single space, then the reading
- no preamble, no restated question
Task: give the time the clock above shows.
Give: 7:08:16
